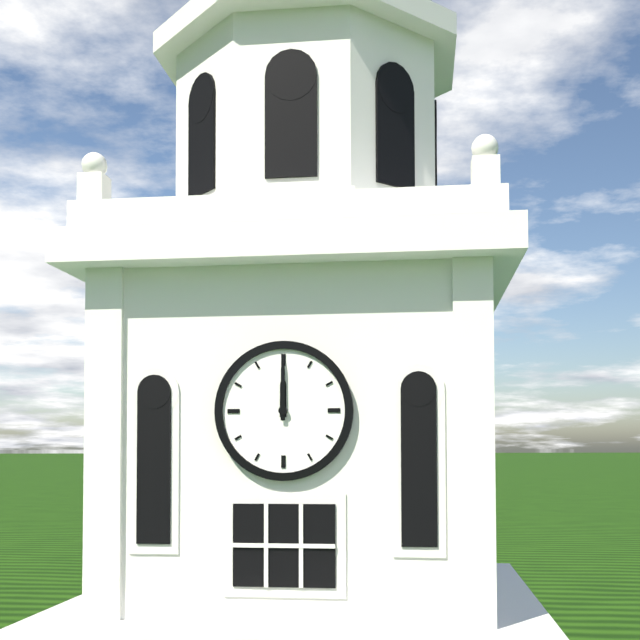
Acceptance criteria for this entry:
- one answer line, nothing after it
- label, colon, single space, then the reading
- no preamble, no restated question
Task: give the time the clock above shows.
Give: 12:00
